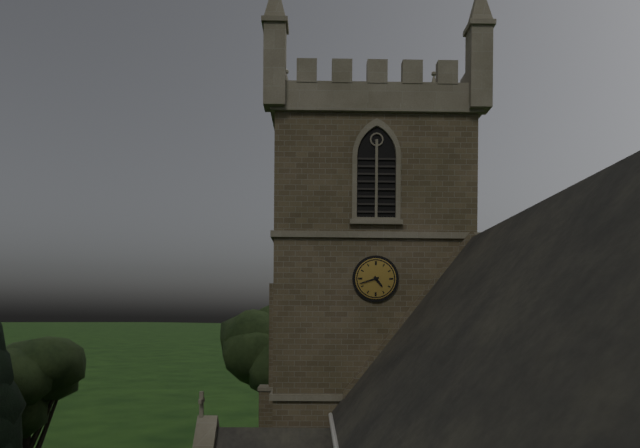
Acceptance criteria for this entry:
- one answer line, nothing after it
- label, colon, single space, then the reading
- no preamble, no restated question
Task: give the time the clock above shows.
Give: 4:42
